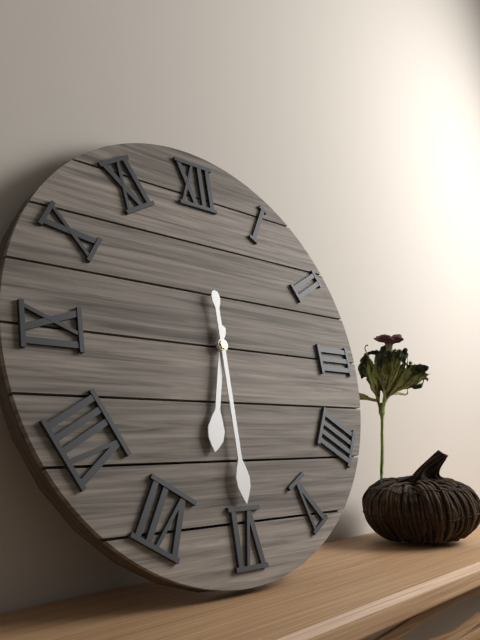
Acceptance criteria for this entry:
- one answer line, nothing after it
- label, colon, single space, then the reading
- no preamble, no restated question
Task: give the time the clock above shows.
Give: 6:30
